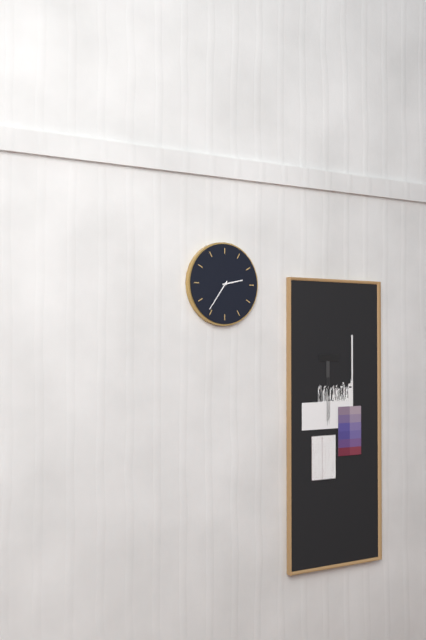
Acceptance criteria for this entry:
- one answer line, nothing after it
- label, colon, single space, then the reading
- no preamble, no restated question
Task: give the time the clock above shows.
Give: 2:36
